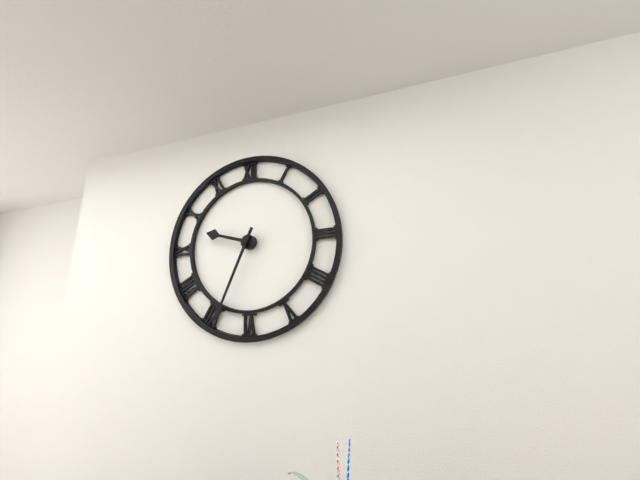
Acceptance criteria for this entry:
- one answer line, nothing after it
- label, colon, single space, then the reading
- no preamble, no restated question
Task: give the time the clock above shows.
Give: 9:34
